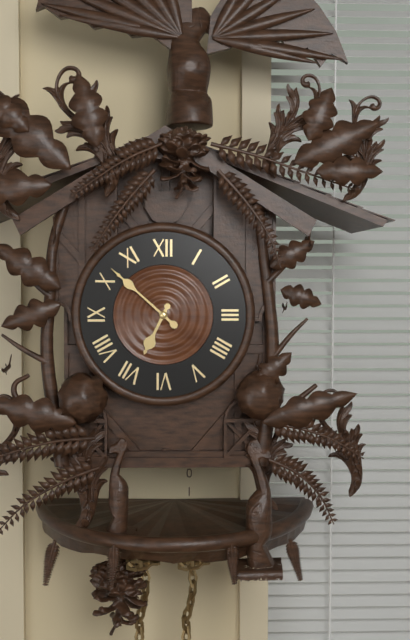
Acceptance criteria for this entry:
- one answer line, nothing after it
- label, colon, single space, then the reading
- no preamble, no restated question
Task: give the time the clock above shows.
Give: 6:52
